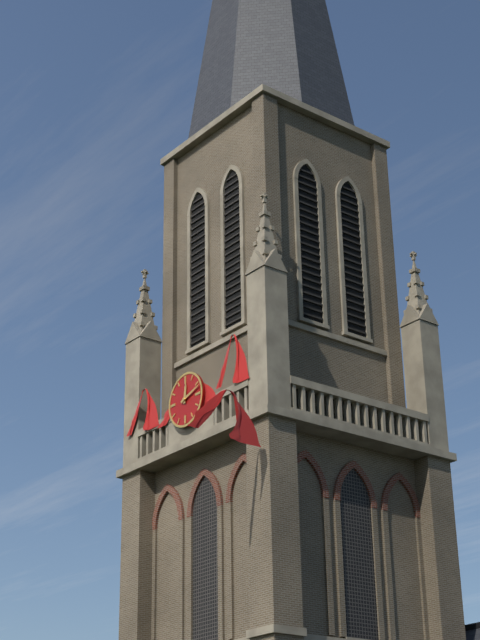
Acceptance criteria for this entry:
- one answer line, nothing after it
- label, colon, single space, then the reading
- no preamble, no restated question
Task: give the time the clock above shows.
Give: 12:12
